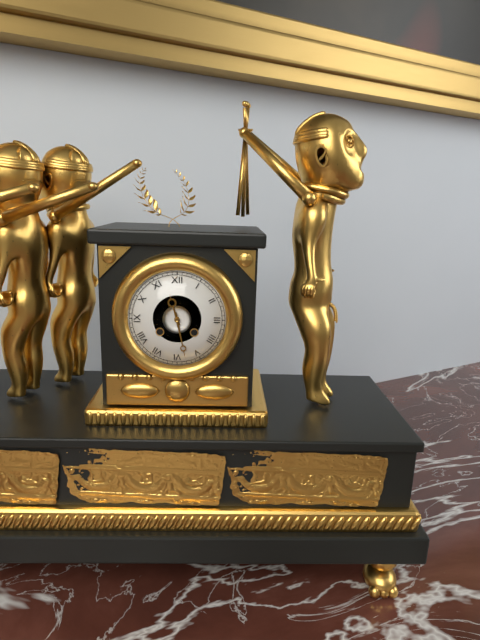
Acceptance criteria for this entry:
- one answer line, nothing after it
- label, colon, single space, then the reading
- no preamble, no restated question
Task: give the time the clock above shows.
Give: 11:28
